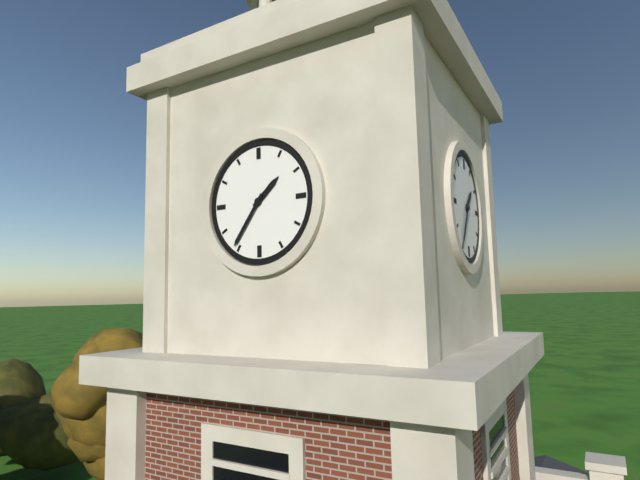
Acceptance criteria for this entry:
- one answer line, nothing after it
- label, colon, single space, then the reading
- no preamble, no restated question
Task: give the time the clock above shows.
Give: 1:36
